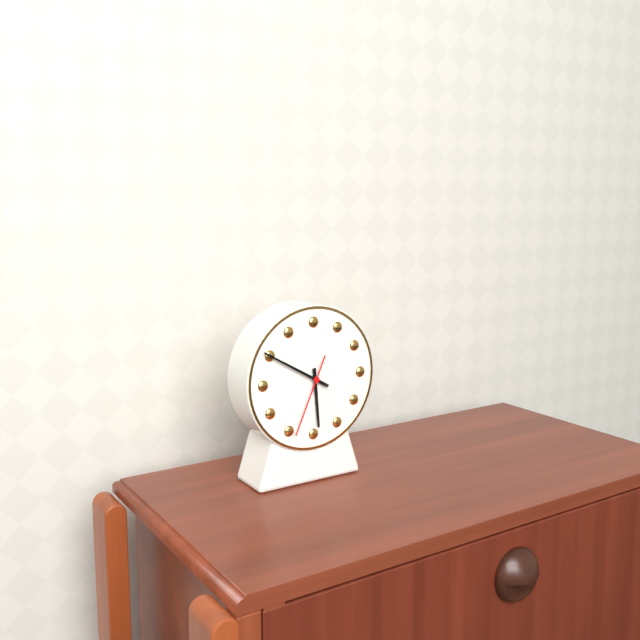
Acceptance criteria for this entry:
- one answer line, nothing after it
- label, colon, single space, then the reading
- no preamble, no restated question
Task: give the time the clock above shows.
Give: 5:50:34
